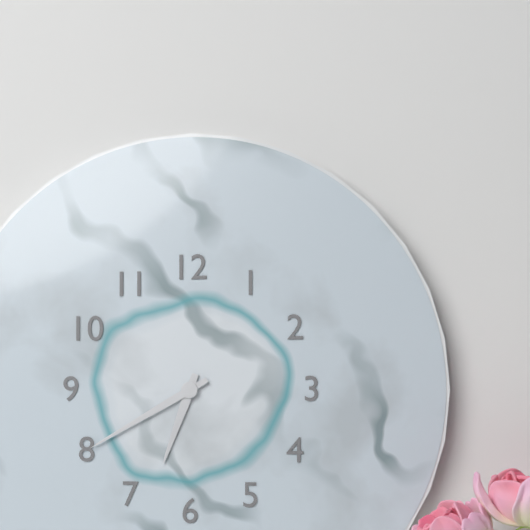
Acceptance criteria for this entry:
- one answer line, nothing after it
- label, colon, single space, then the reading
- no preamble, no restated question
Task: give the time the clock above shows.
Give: 6:40
